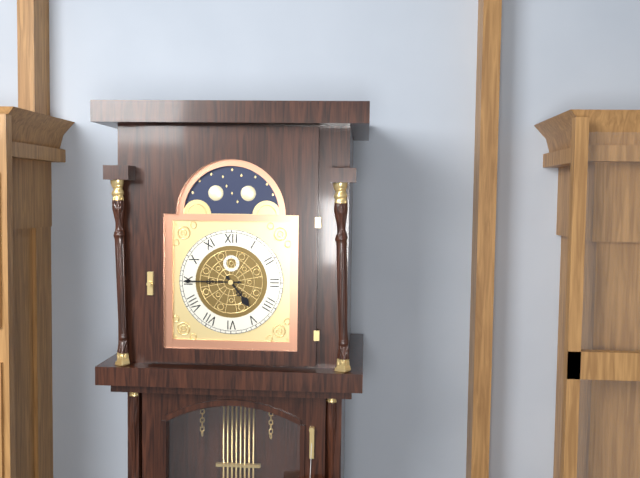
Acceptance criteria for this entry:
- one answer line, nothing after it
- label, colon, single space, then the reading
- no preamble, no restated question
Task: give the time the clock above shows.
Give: 4:45
